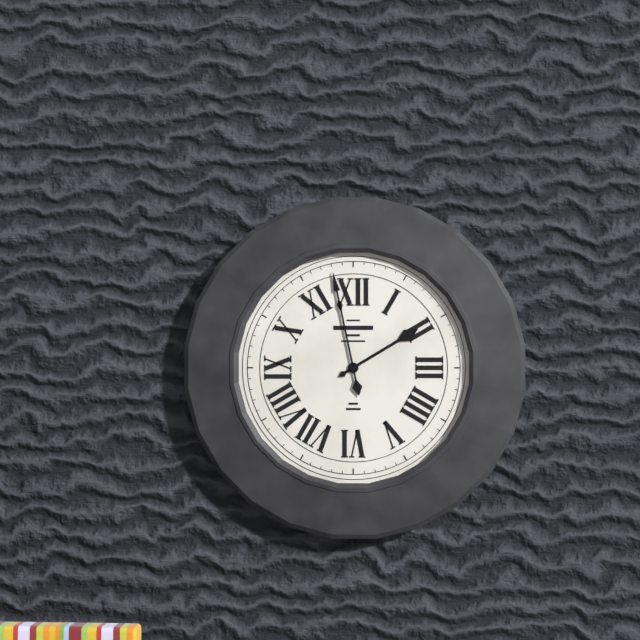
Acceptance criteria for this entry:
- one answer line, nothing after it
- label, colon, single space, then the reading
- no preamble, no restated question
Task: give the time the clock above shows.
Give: 1:58
